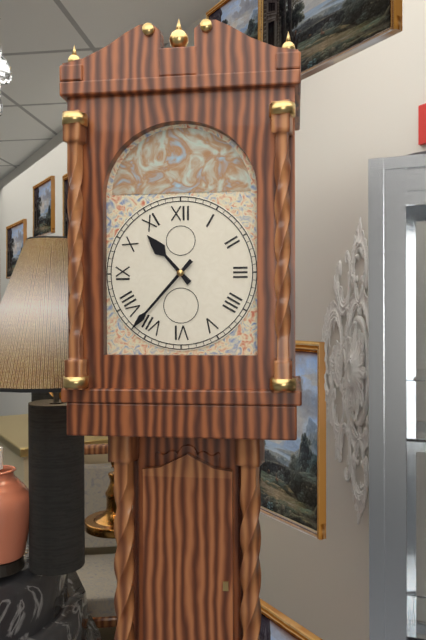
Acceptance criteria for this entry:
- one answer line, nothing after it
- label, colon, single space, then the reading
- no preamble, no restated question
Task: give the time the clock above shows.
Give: 10:37
